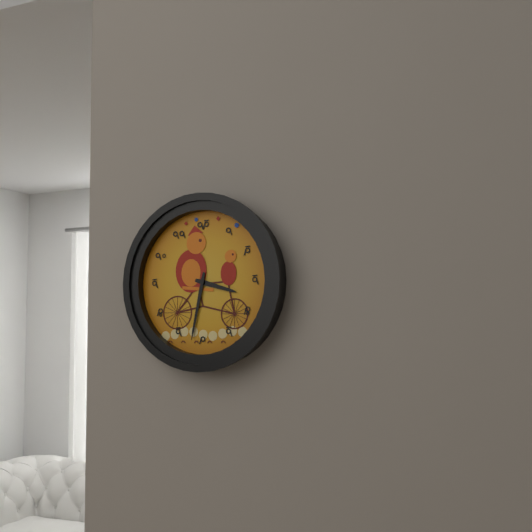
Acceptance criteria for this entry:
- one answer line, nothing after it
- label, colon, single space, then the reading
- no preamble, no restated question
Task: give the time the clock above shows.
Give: 3:32
